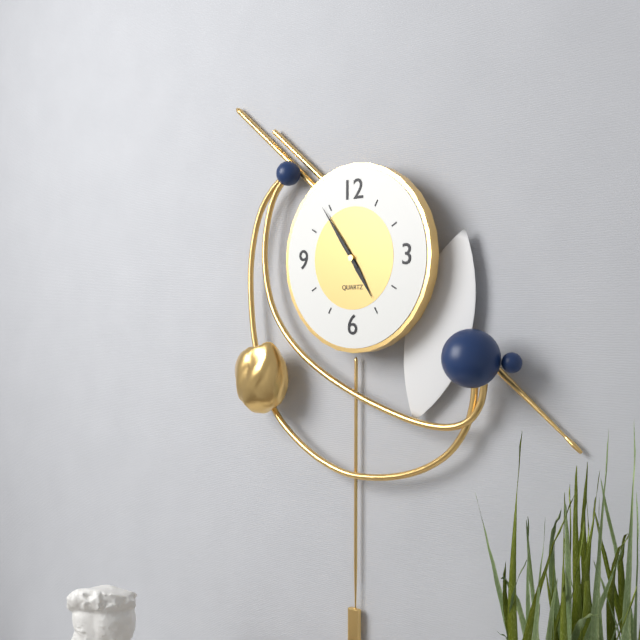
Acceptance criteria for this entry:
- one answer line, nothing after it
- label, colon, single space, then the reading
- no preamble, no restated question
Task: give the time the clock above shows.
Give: 4:54
